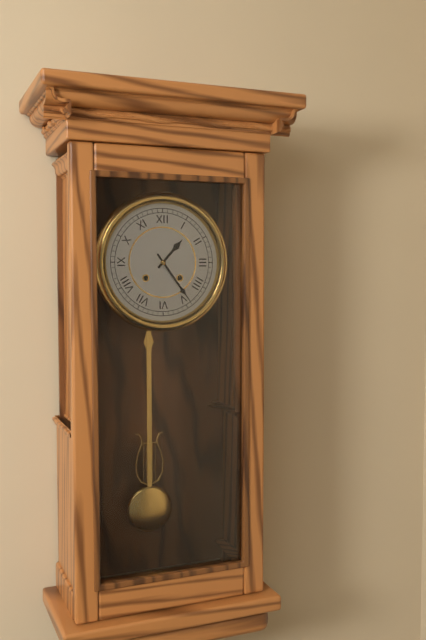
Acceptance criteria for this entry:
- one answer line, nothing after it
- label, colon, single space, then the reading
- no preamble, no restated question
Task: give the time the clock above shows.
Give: 1:24
